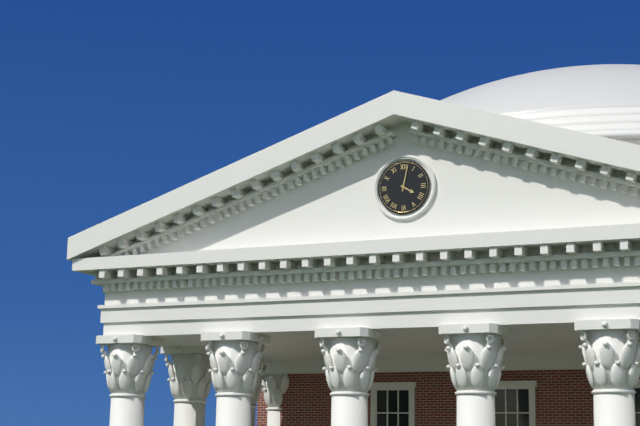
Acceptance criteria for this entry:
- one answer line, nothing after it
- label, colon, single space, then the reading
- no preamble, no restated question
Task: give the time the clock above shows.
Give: 4:02
